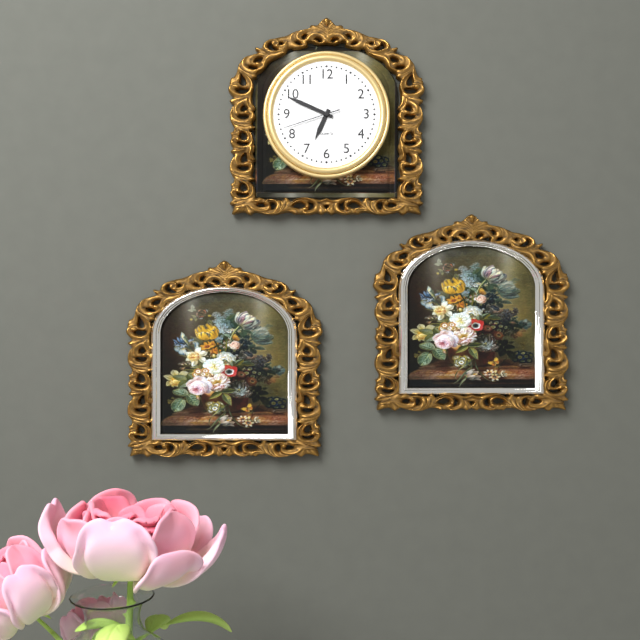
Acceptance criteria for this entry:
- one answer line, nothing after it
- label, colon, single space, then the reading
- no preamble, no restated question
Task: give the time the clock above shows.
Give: 6:49:42
